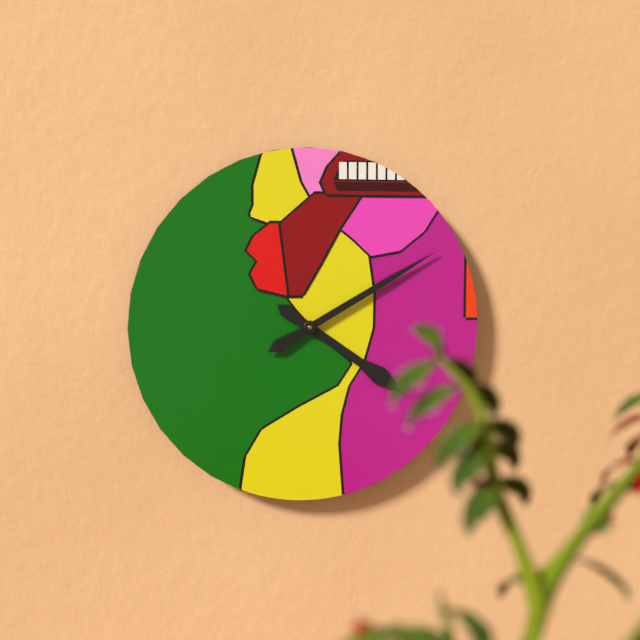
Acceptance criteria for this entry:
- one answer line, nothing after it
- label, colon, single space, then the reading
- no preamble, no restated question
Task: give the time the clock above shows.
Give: 4:10
